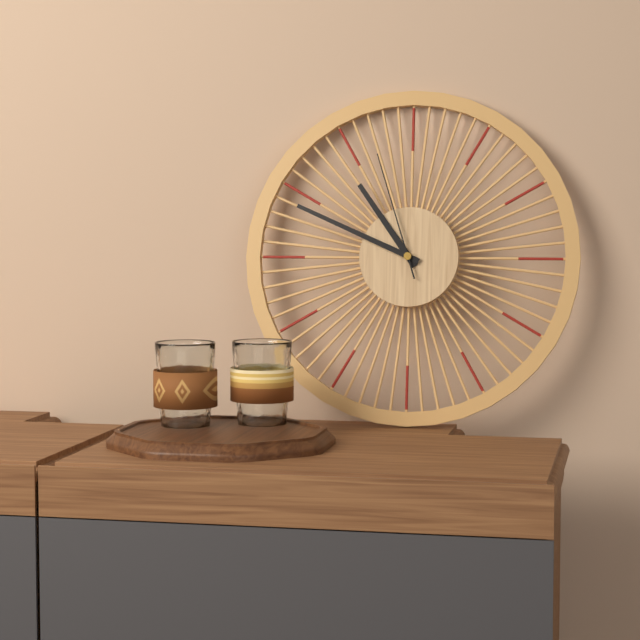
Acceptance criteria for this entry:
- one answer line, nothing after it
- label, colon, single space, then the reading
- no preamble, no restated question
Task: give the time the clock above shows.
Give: 10:49:57
